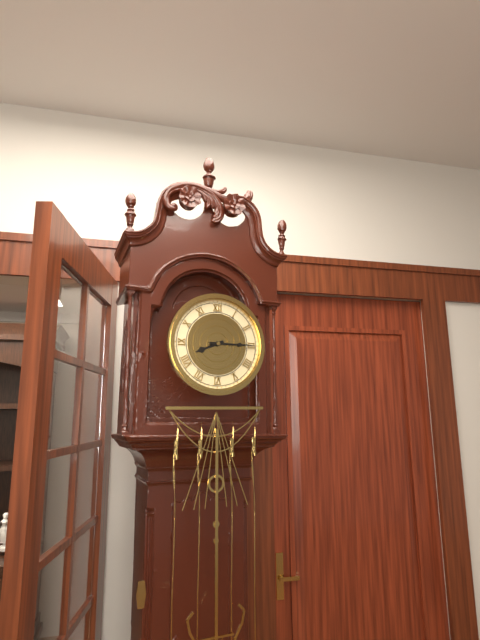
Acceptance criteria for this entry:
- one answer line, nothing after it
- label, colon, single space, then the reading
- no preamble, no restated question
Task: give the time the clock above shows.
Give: 8:15
